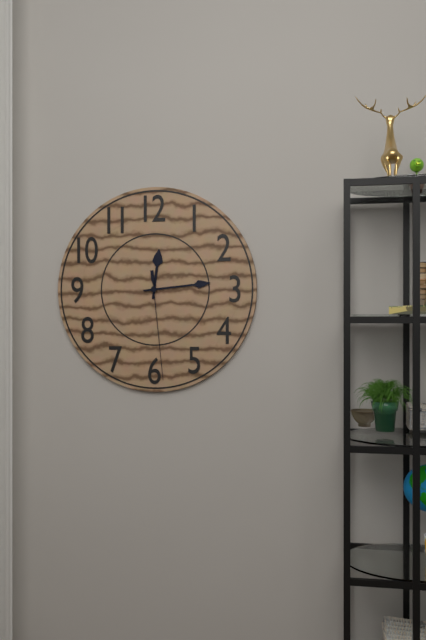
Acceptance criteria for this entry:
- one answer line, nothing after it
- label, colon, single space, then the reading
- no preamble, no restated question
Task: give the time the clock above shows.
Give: 12:14:29
